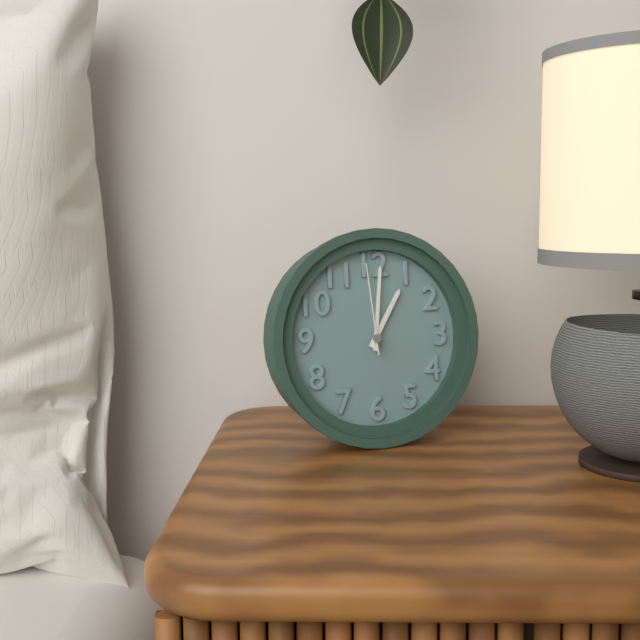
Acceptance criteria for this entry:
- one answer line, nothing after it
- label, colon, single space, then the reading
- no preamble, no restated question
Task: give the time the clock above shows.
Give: 1:01:59
